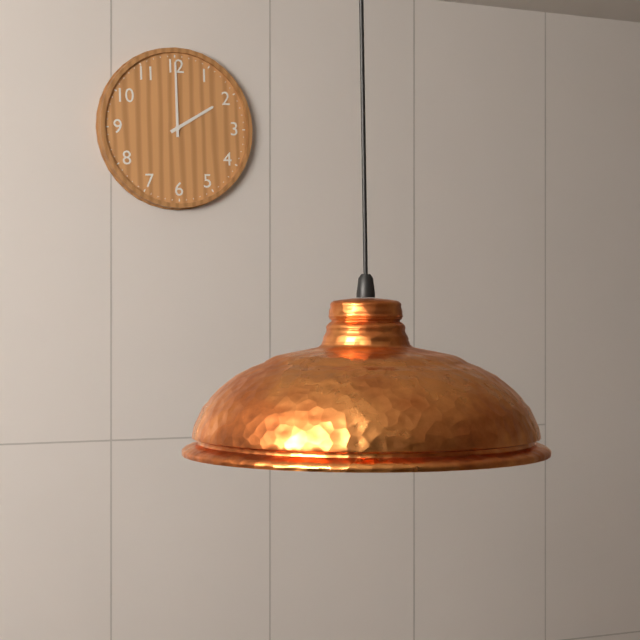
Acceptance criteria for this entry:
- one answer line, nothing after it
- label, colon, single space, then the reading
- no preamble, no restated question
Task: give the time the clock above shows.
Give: 2:00
